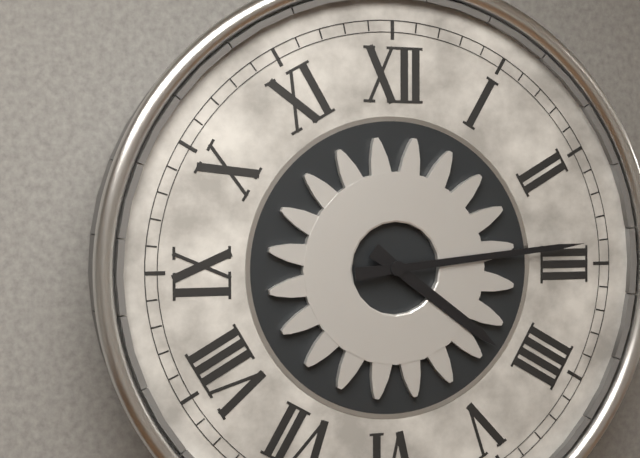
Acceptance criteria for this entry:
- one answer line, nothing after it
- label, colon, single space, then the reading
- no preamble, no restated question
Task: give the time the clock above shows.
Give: 4:14
